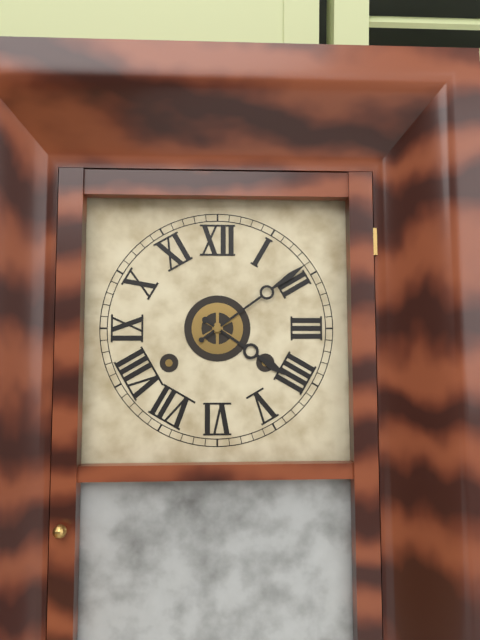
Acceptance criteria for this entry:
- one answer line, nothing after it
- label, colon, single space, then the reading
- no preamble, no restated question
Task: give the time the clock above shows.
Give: 4:09
